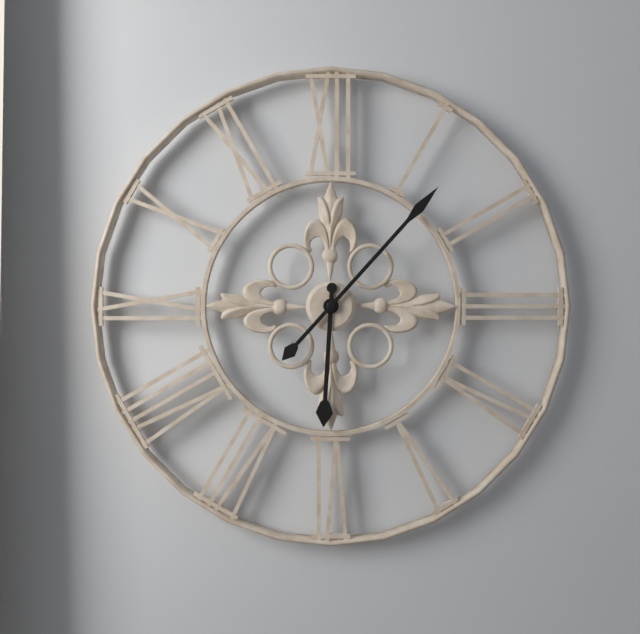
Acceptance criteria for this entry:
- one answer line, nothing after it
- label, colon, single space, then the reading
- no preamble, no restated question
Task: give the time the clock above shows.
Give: 6:07
